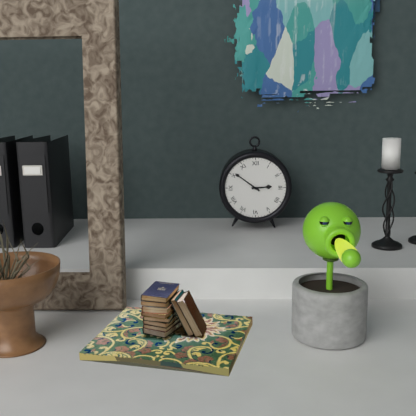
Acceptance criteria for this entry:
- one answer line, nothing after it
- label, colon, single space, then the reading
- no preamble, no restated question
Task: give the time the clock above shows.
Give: 2:51
